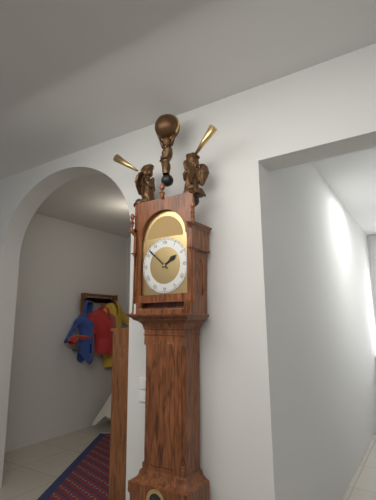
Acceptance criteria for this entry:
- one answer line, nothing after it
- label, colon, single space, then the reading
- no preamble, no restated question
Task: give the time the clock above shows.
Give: 1:52
